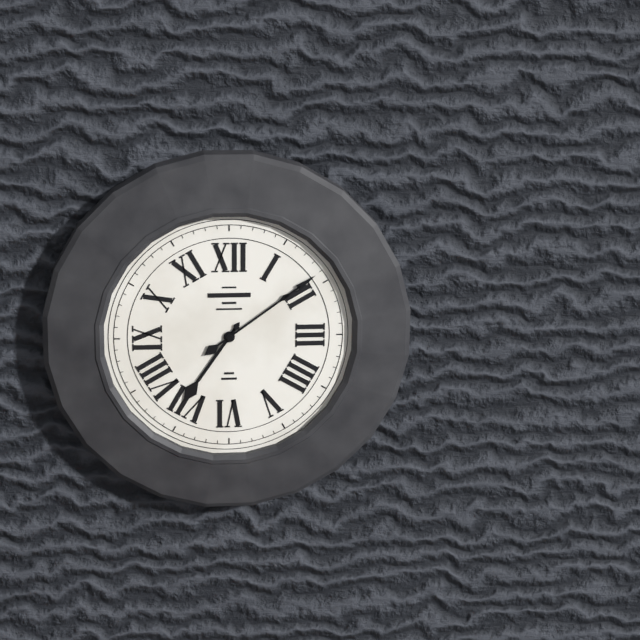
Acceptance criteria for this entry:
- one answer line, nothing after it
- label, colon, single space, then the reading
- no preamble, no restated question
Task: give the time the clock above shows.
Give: 7:09
